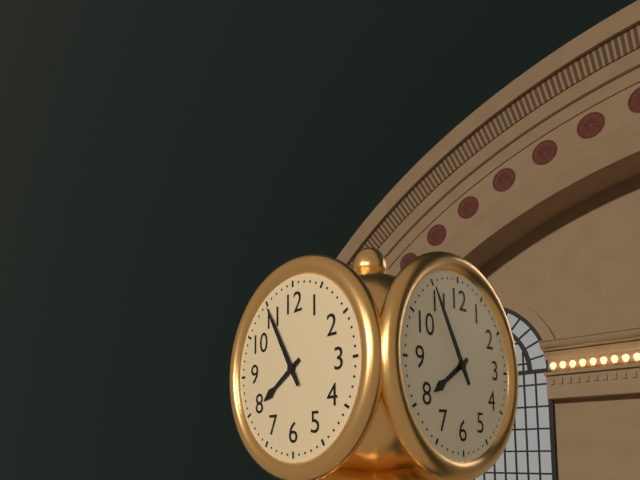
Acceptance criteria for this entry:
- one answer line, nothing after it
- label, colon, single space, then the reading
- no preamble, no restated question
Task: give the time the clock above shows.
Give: 7:55
